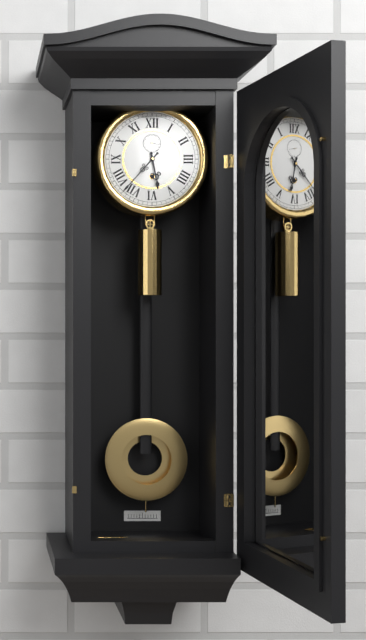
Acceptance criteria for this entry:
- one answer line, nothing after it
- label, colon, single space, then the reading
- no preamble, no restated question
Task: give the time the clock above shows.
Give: 5:37
